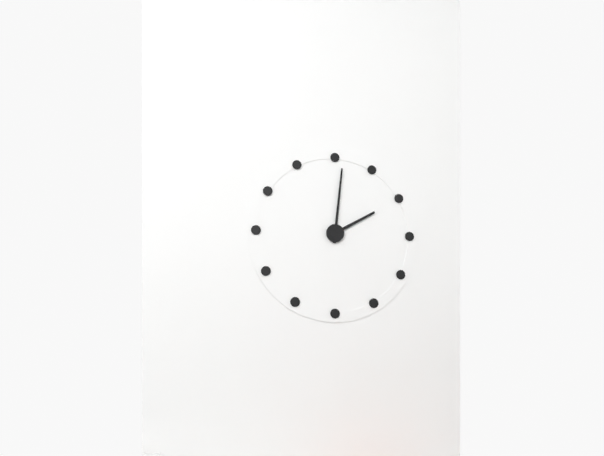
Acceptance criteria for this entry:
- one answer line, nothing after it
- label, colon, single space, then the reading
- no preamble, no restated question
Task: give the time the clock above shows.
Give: 2:01
